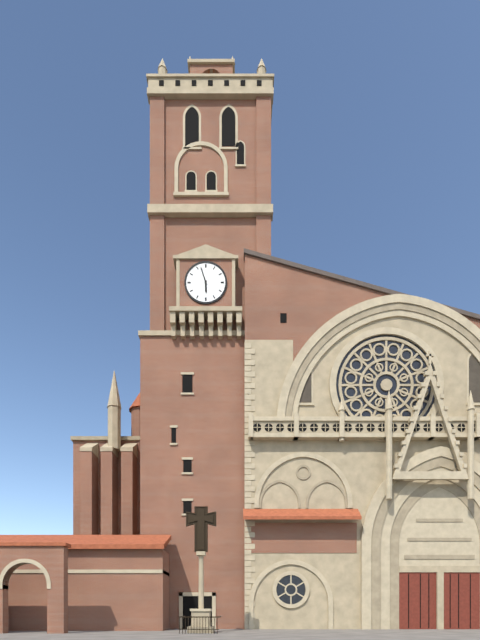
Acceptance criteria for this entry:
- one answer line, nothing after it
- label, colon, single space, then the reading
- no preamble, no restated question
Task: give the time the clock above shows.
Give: 5:57
